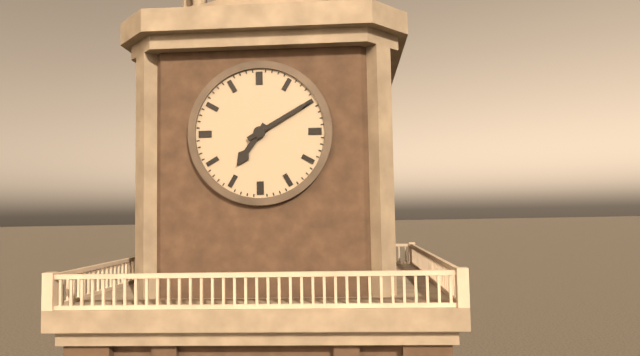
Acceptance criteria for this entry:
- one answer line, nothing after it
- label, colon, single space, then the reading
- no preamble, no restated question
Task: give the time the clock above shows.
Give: 7:10
